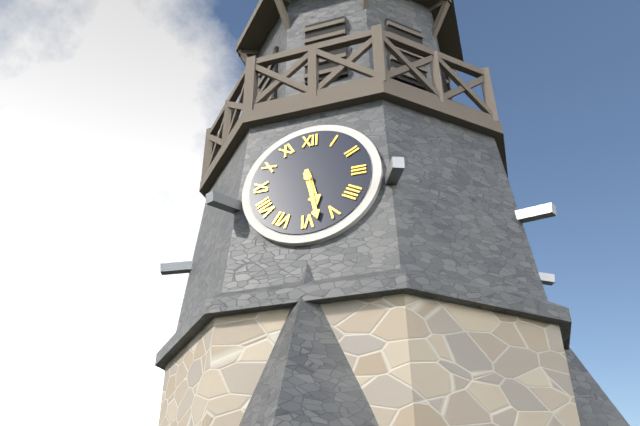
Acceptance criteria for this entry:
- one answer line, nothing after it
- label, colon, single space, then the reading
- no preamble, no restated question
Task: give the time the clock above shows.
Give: 5:28
